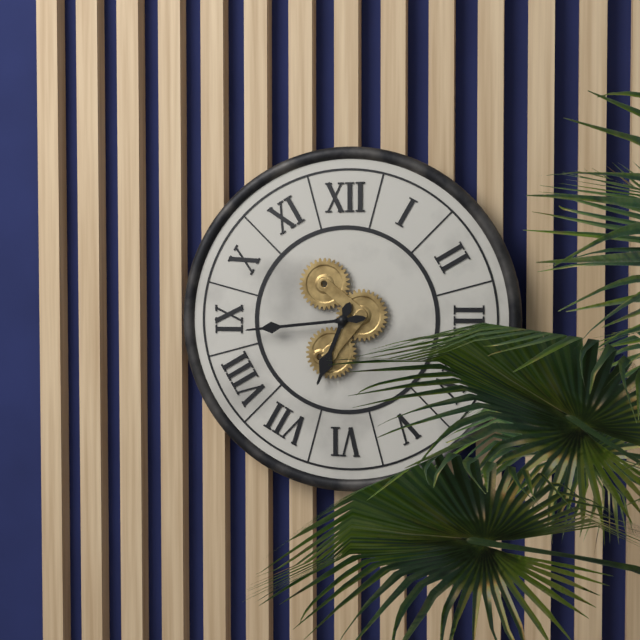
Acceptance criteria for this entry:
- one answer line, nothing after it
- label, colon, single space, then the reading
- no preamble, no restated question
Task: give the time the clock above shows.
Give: 6:44
